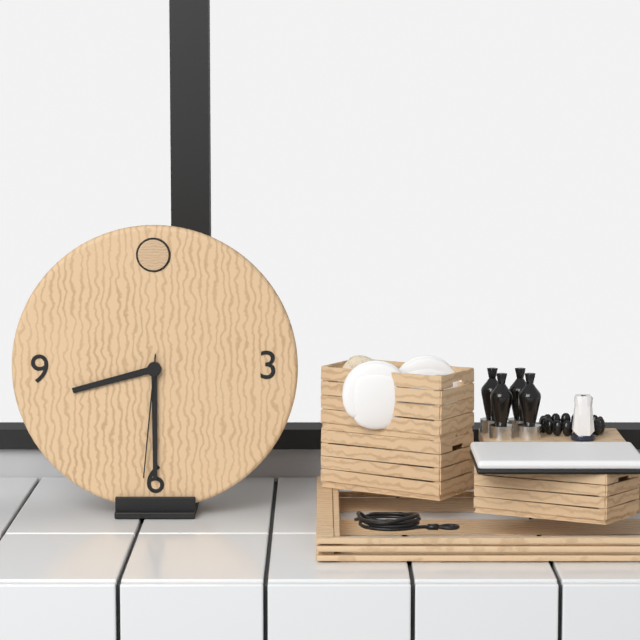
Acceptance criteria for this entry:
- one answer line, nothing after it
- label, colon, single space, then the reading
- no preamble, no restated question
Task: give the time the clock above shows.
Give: 8:30:31
